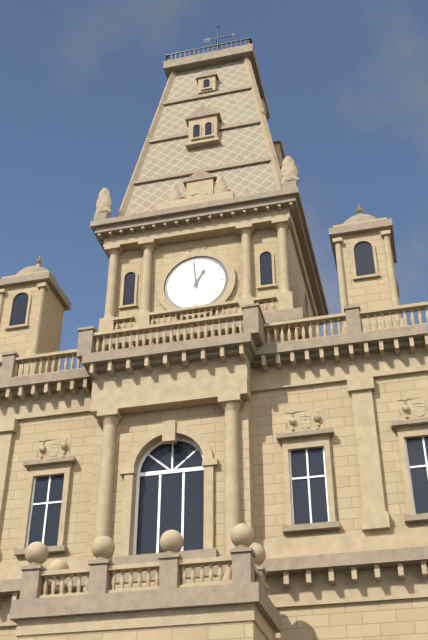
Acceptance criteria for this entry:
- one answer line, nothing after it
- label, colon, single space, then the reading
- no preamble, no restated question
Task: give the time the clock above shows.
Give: 12:59
